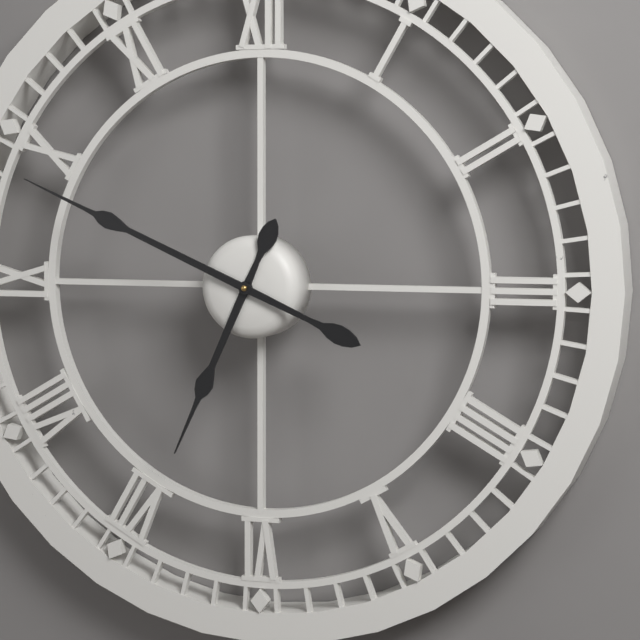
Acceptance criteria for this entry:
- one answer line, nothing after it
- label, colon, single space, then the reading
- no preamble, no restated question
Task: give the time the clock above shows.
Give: 6:49
